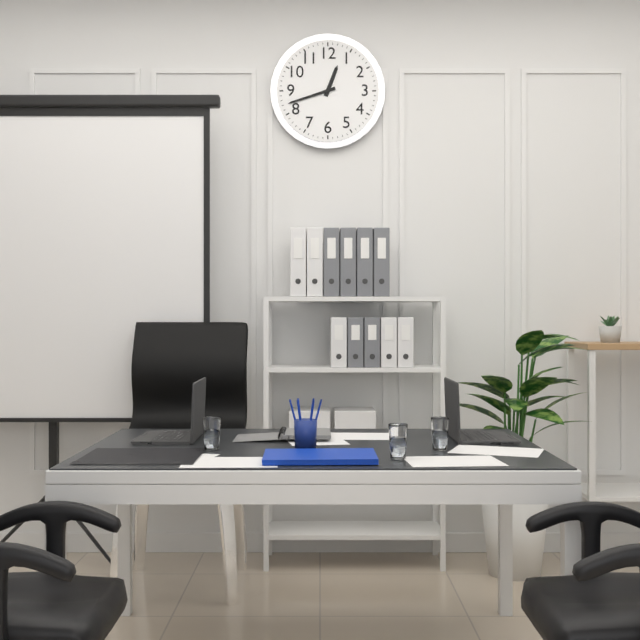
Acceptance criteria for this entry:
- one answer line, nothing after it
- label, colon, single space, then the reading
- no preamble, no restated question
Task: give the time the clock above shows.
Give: 12:42
